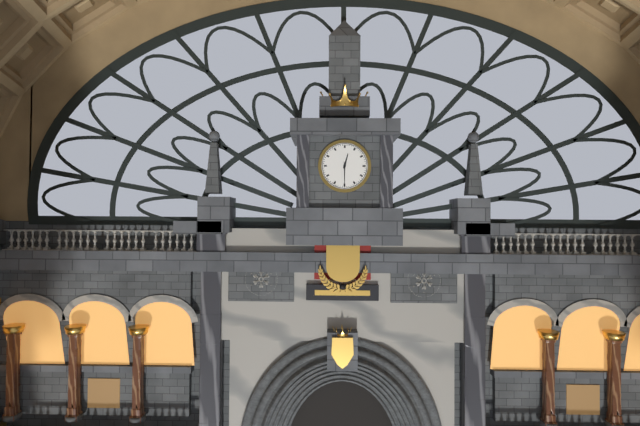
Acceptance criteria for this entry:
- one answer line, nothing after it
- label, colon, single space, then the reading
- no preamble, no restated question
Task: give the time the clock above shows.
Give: 12:30
